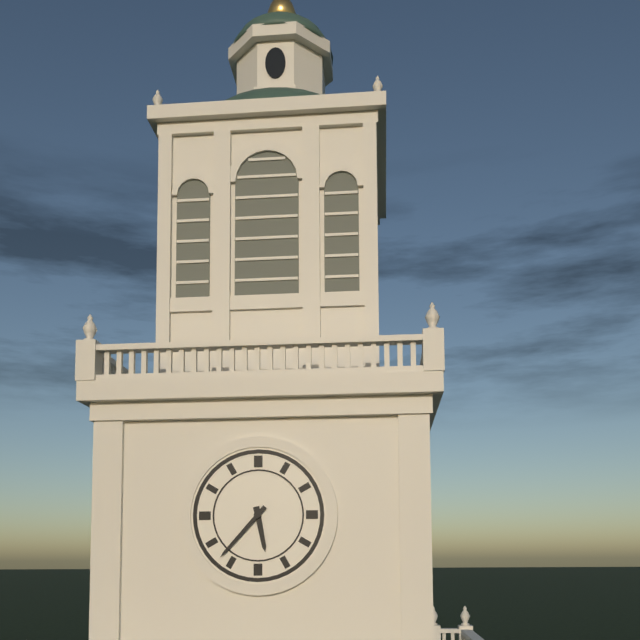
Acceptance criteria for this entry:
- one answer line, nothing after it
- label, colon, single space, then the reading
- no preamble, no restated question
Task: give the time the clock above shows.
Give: 5:37
